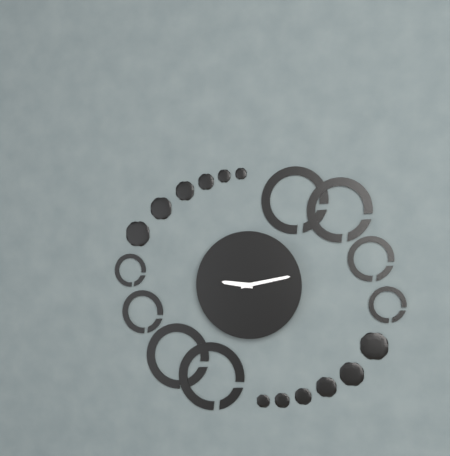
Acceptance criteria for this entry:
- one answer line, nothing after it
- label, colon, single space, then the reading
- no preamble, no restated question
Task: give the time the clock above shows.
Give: 9:13
